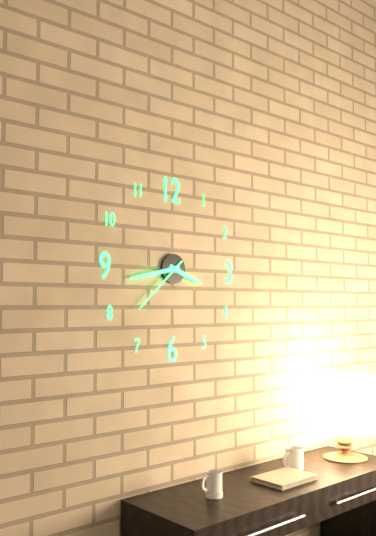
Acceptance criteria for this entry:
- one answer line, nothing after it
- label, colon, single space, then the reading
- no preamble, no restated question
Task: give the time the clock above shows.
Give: 3:43:38
